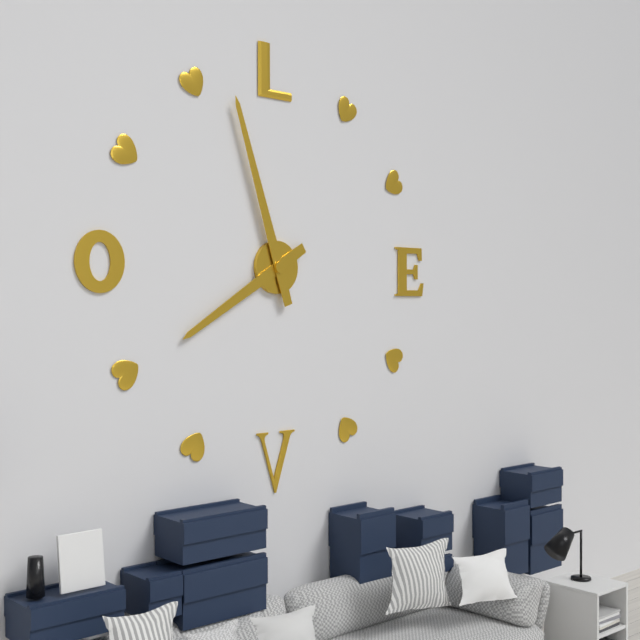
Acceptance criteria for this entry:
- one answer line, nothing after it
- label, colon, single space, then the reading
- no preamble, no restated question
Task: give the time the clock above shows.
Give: 7:57
